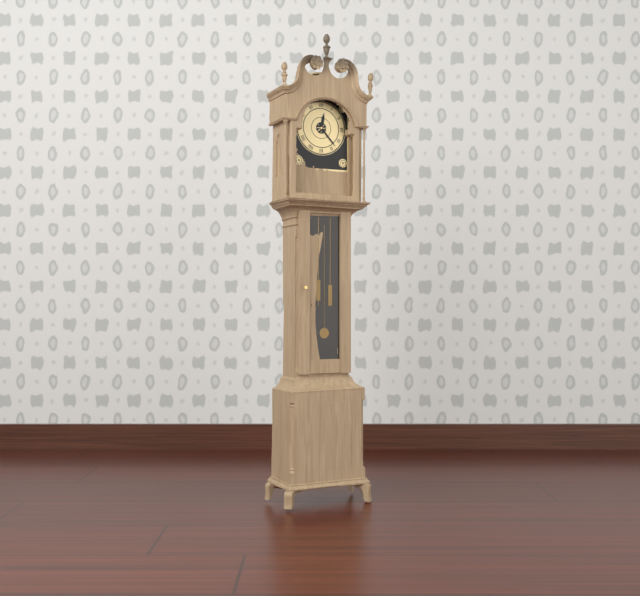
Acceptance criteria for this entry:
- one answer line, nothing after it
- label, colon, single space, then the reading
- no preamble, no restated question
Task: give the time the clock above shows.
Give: 12:23
